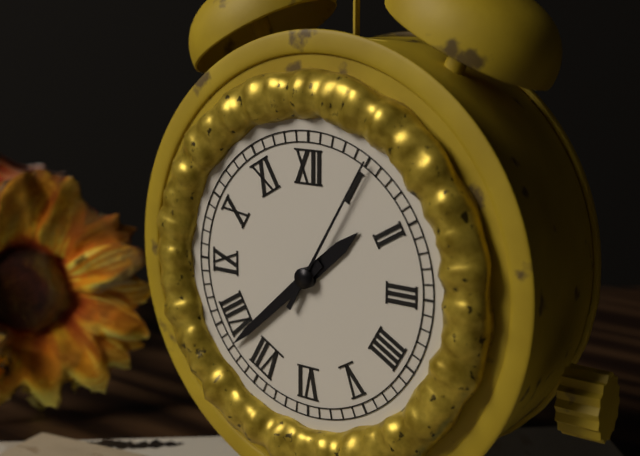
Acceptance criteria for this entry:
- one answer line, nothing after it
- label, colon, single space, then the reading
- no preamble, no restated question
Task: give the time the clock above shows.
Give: 1:38:05
